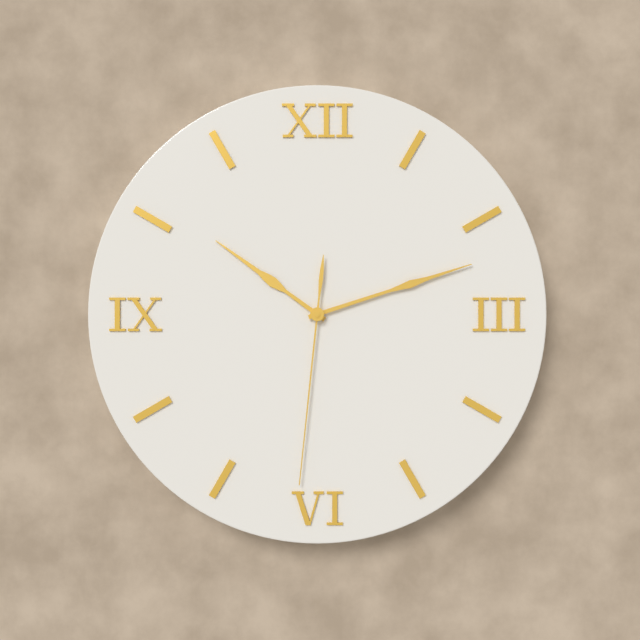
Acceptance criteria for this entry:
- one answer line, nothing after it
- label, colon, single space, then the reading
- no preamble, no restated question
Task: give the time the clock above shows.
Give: 10:12:31
